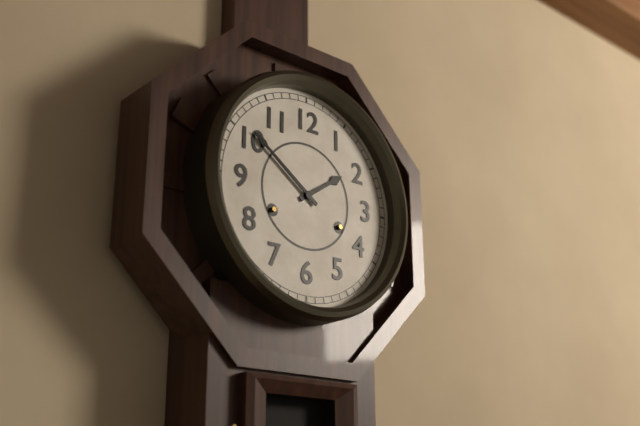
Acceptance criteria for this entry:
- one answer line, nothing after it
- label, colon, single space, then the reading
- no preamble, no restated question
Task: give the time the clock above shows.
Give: 1:51
